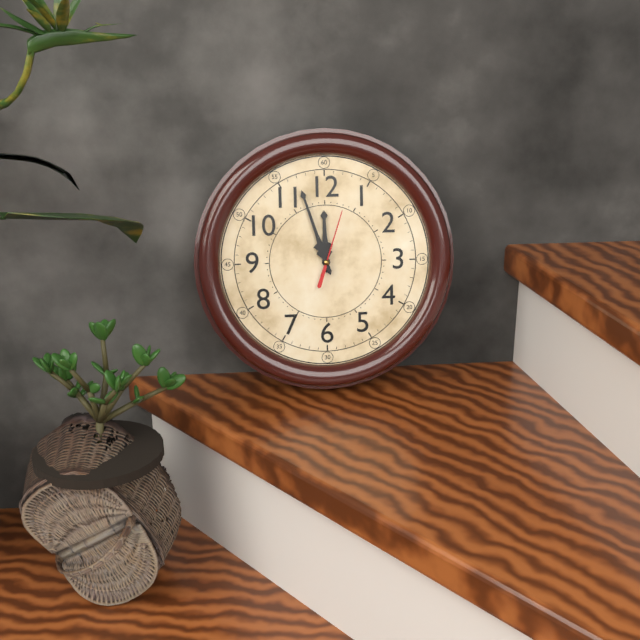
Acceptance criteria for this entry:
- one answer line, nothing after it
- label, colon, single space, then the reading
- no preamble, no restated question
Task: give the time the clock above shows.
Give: 11:57:03
